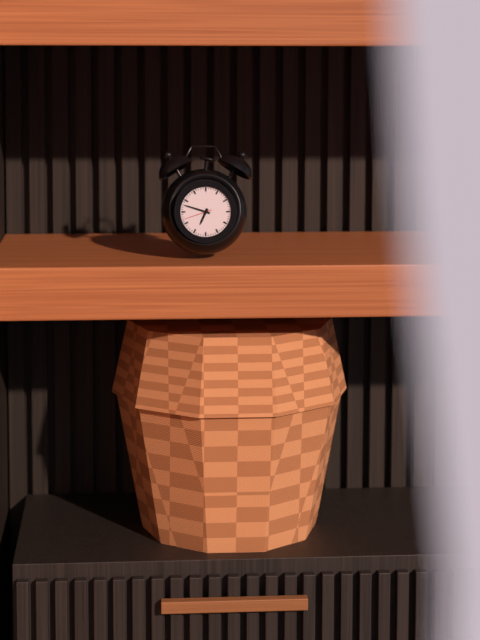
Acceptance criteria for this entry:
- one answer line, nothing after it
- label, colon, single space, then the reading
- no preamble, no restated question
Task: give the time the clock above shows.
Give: 6:48
